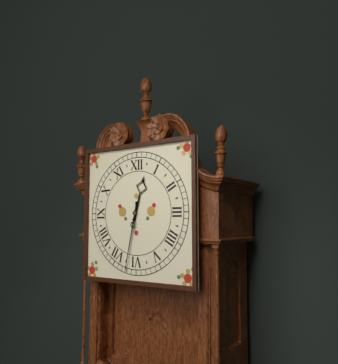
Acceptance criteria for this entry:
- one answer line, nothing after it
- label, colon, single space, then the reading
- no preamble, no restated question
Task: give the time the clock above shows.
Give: 12:32
